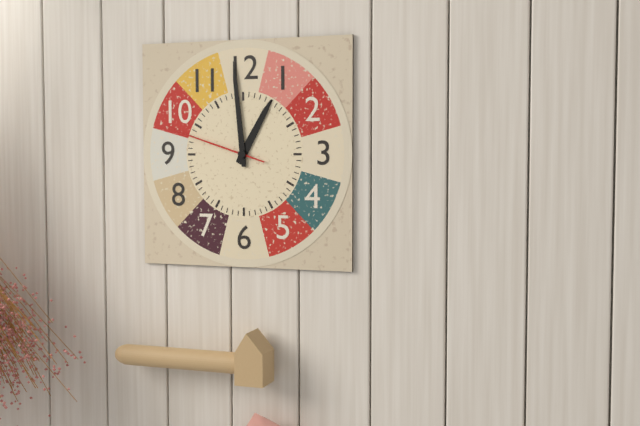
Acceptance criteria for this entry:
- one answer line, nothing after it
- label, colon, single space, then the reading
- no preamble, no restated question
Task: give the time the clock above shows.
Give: 12:59:48
